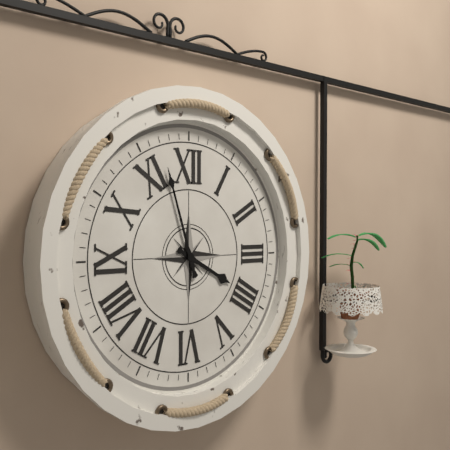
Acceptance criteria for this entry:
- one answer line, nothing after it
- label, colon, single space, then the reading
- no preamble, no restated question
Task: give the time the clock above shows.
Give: 3:57
